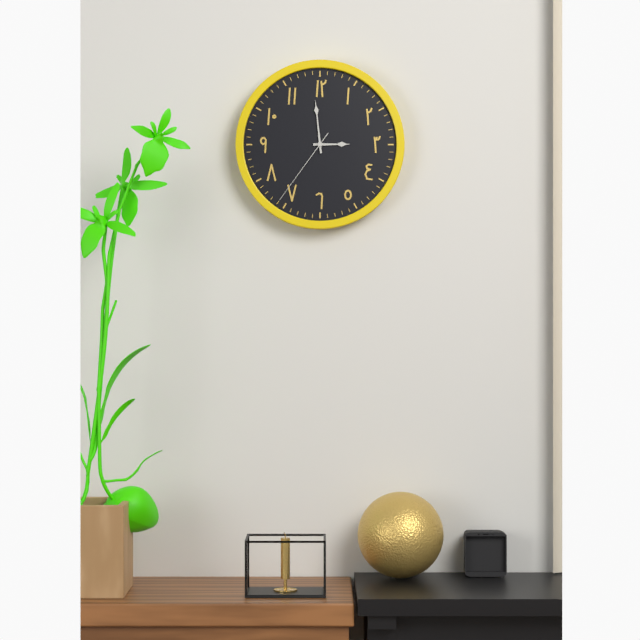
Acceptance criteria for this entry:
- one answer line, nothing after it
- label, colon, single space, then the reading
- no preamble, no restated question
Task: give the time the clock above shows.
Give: 2:59:36
